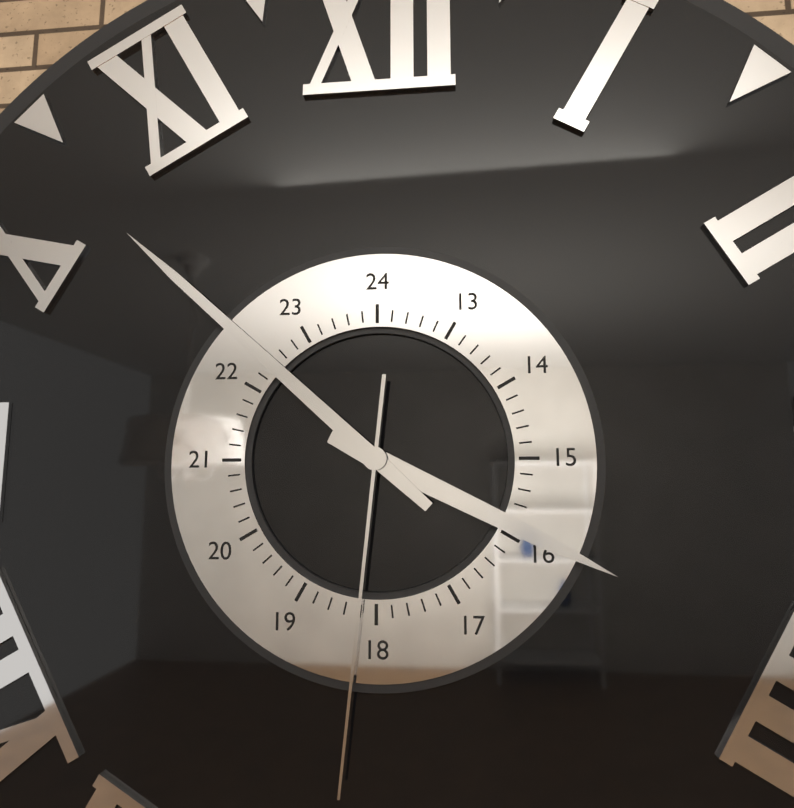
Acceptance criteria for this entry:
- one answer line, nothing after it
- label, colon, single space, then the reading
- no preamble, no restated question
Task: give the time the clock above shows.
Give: 3:52:31
